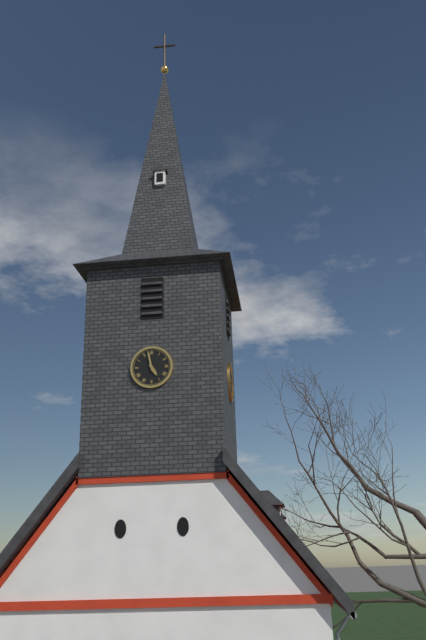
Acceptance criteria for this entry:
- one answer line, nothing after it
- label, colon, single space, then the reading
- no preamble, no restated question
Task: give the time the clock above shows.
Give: 4:58
